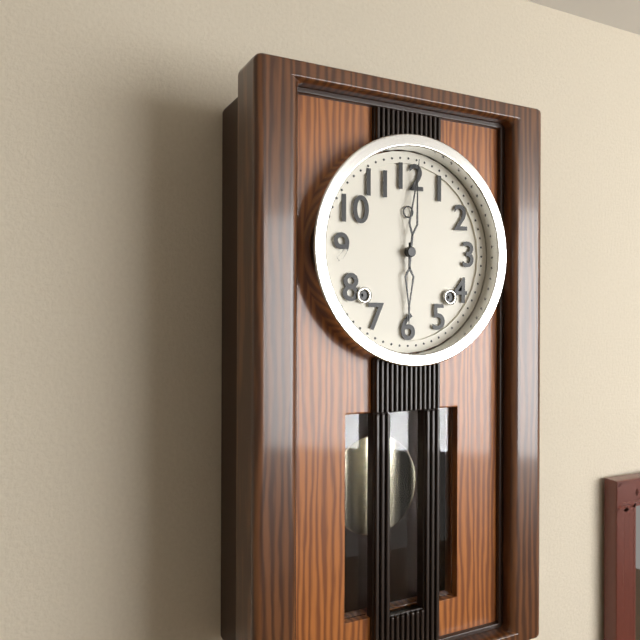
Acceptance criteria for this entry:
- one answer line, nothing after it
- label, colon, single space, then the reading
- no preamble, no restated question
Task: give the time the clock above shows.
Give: 6:01
